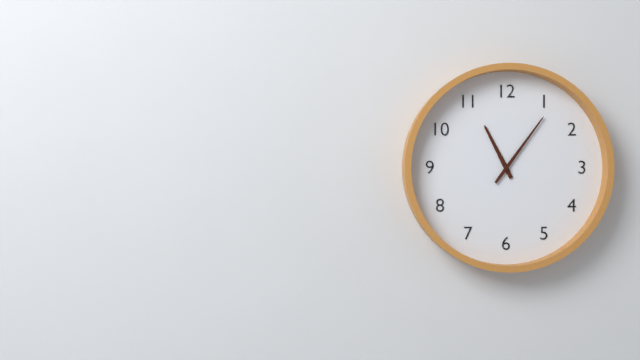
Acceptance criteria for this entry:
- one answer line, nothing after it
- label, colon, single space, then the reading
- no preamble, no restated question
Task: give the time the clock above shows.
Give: 11:06
